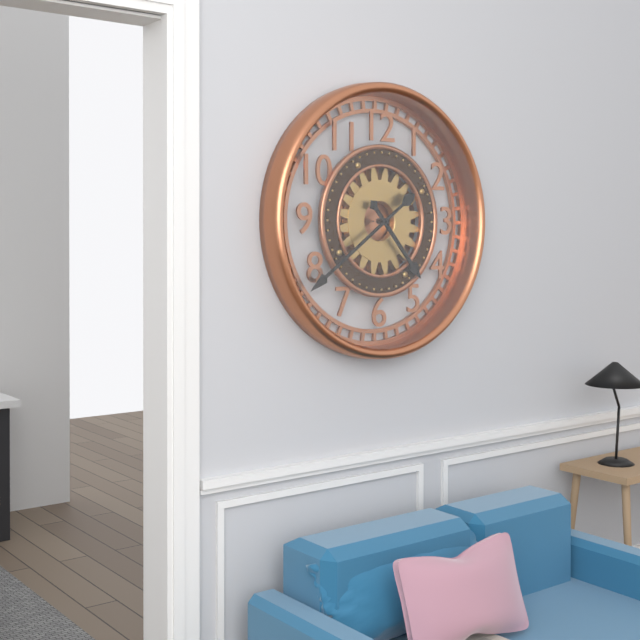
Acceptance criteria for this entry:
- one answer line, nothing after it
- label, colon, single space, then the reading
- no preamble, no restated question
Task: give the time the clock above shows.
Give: 4:39
